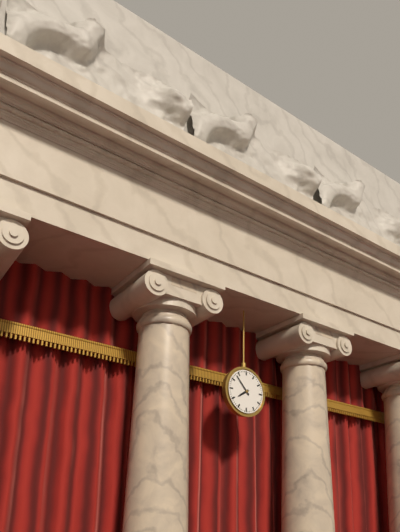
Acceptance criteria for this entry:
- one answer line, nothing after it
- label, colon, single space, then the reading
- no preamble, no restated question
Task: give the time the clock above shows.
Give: 7:53
